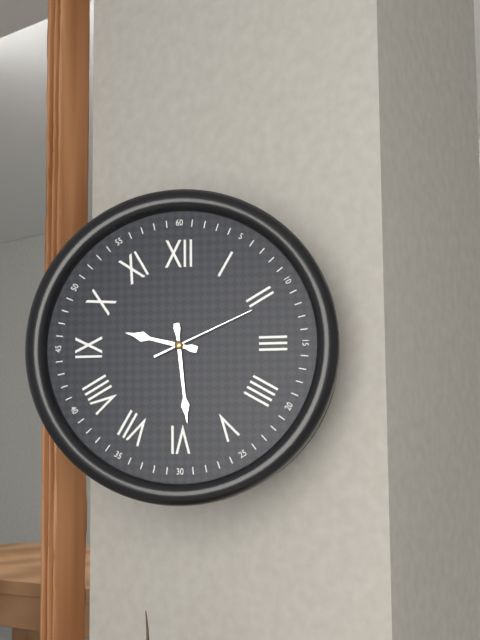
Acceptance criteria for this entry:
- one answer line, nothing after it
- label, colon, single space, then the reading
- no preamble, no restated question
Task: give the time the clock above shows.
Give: 9:29:11
